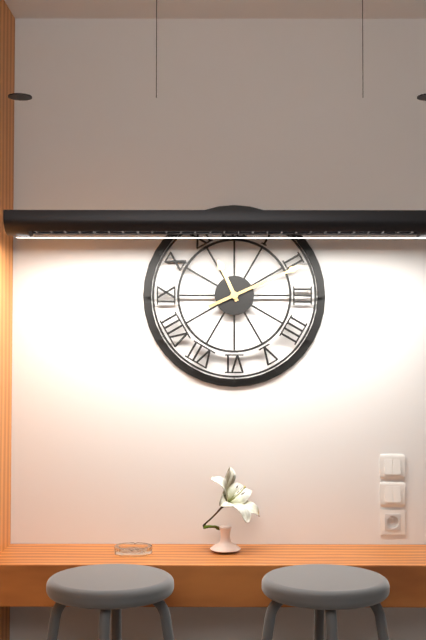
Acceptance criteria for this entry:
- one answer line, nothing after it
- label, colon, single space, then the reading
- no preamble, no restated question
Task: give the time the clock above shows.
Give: 11:11
